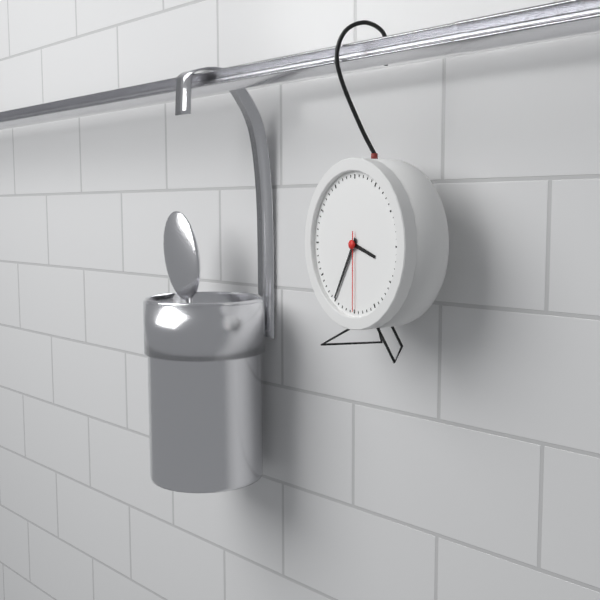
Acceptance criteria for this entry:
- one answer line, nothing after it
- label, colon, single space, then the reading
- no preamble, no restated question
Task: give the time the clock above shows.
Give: 3:35:30
